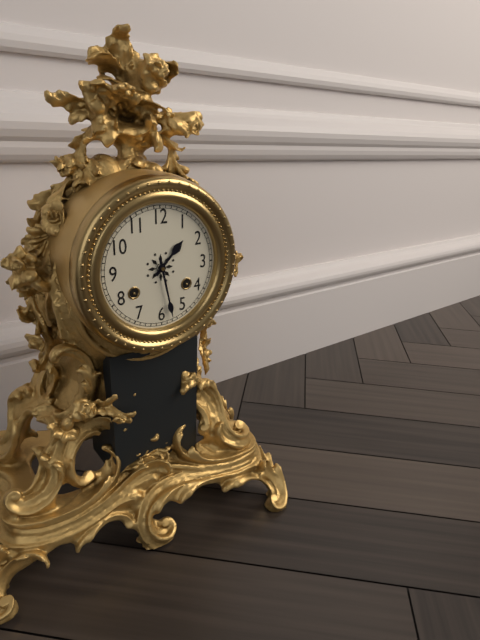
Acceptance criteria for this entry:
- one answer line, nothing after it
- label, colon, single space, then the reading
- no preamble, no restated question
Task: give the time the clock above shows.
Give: 1:28
